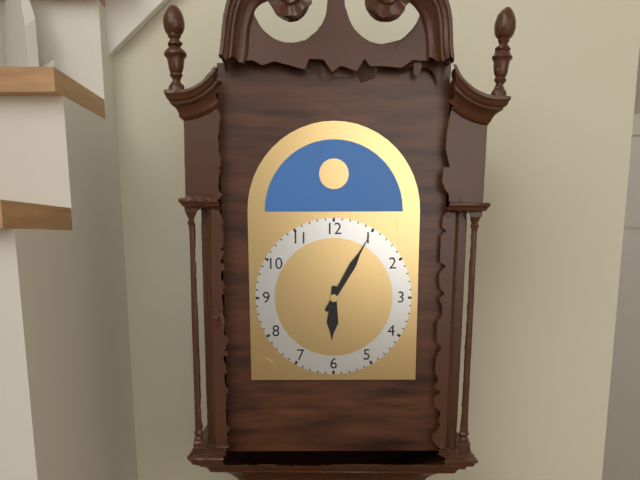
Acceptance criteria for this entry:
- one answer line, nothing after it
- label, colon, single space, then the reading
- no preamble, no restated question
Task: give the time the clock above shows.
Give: 6:05
